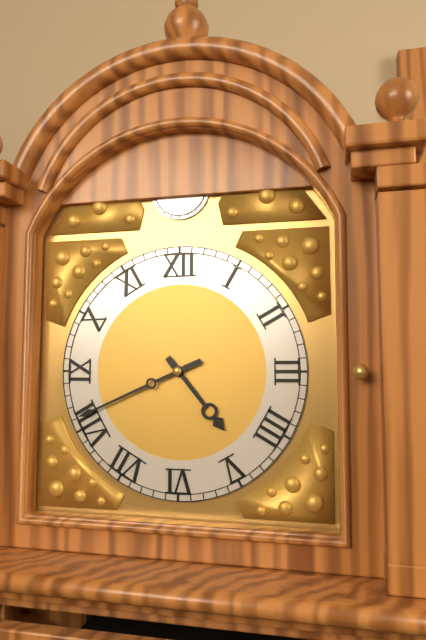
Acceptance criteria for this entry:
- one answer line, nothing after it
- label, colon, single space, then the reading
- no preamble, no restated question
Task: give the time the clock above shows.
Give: 4:41
